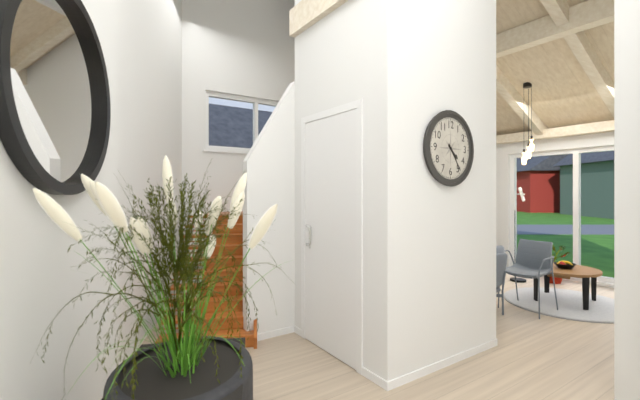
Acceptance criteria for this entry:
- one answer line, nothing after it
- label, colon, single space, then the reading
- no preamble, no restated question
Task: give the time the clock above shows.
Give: 4:24
